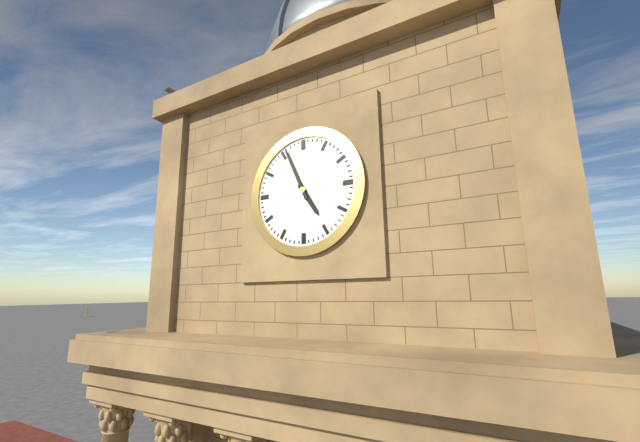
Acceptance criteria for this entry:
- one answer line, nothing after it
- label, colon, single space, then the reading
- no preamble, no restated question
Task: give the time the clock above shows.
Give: 4:56
